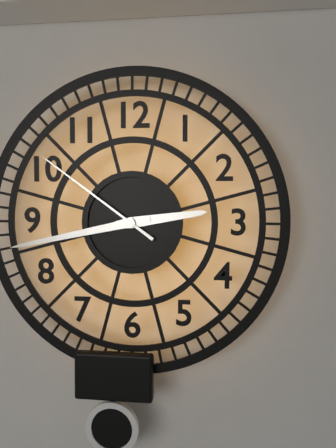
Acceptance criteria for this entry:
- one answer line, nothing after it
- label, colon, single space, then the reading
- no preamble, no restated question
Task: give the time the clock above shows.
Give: 2:43:51
